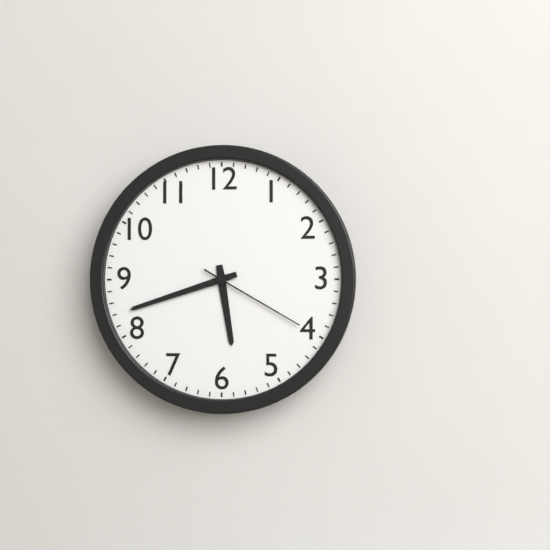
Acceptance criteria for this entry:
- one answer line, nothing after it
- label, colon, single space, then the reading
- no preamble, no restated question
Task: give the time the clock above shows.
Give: 5:42:20
